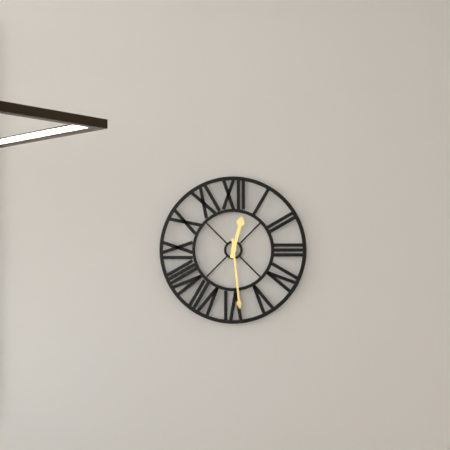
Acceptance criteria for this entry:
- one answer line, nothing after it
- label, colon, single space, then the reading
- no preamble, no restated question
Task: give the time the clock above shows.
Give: 12:29
